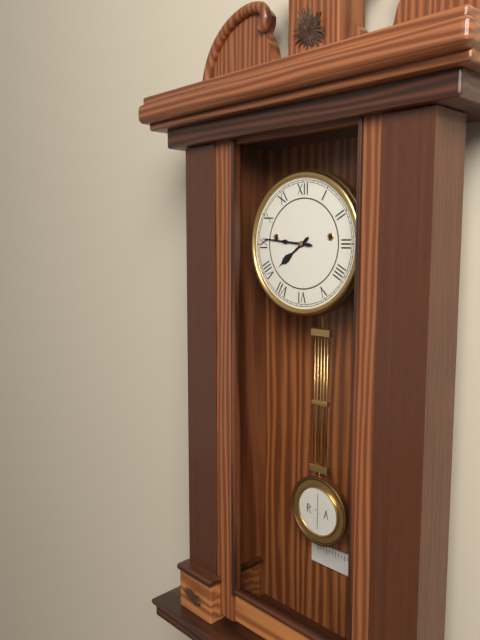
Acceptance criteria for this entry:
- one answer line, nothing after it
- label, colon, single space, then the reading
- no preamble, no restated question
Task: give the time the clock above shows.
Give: 7:46
